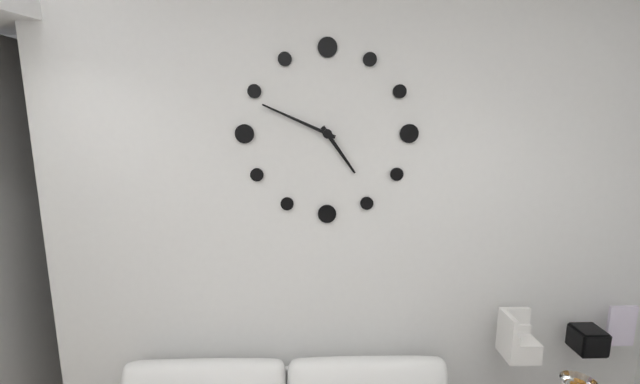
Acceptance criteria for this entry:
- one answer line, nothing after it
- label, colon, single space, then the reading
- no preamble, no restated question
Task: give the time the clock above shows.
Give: 4:49
